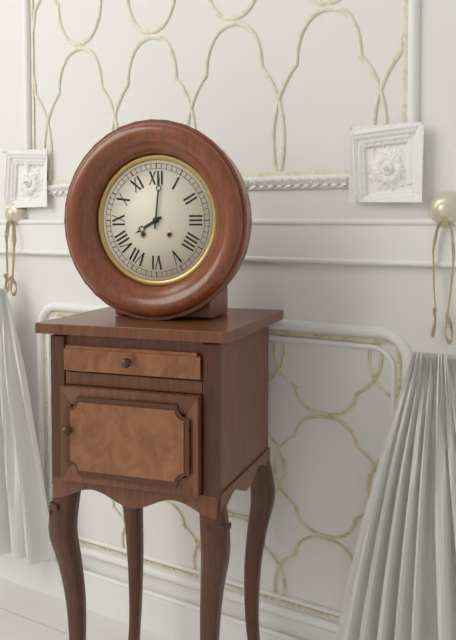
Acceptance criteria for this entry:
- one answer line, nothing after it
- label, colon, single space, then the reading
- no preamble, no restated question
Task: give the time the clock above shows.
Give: 8:01
